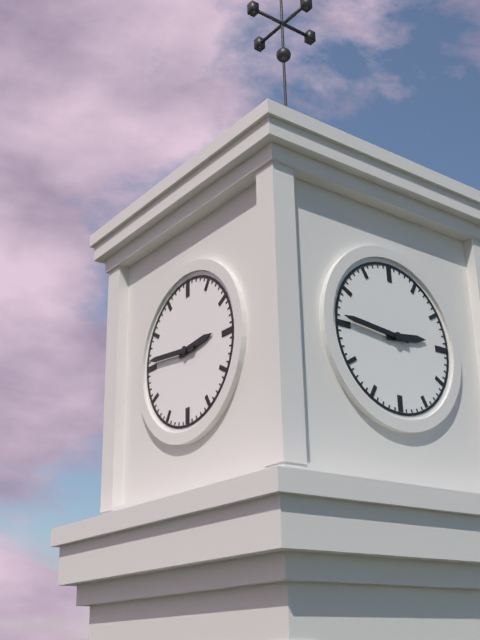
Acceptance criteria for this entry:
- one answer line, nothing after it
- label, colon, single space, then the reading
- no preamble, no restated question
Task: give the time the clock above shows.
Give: 2:46
